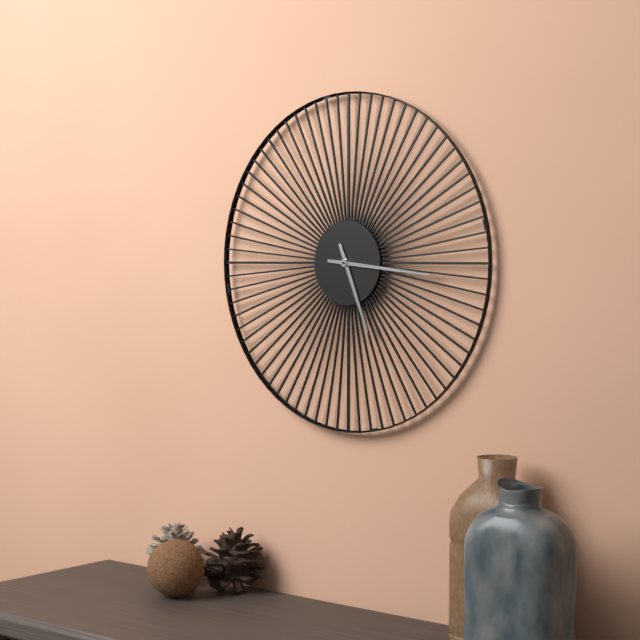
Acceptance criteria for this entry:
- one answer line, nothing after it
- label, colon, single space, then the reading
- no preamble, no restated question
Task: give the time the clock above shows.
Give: 5:16
